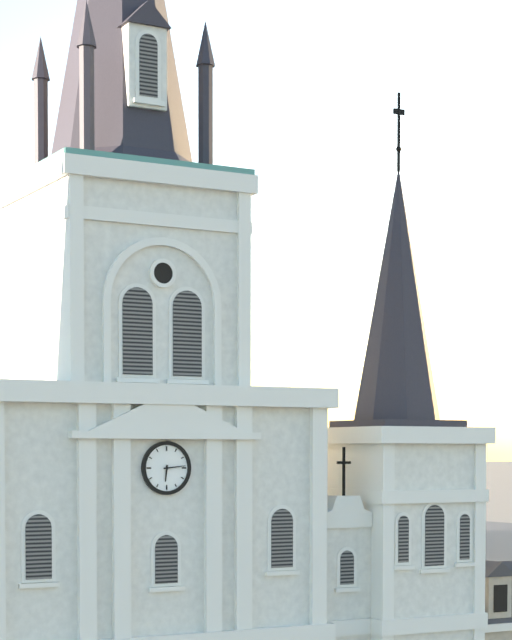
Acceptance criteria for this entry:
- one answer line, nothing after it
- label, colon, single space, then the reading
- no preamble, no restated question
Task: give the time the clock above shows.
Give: 6:14
